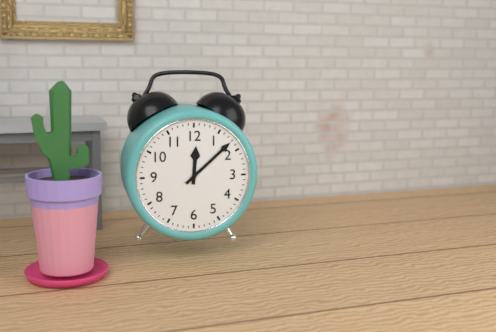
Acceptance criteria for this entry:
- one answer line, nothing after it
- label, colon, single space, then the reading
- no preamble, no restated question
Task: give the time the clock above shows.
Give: 12:08
